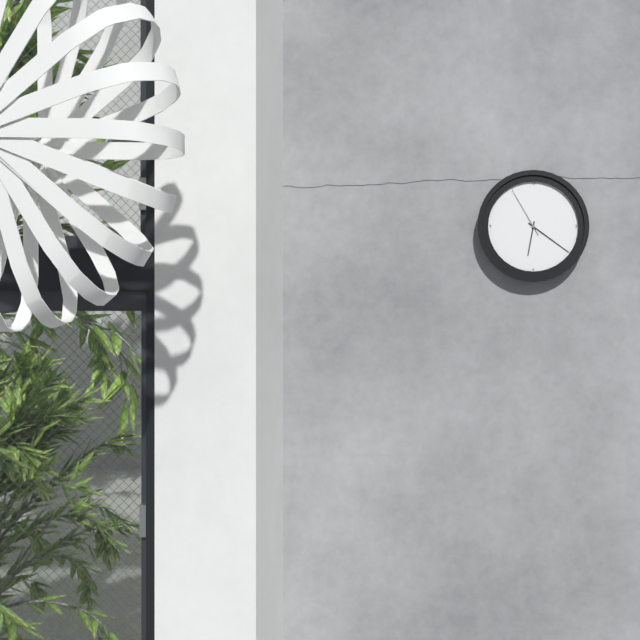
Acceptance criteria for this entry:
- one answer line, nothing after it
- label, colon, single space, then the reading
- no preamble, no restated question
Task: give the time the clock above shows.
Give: 6:21:55
